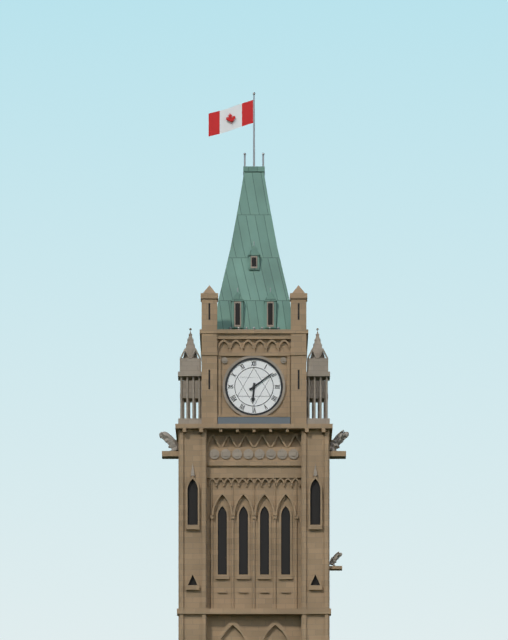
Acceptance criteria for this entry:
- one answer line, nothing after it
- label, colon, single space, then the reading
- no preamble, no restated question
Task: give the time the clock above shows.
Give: 6:09
